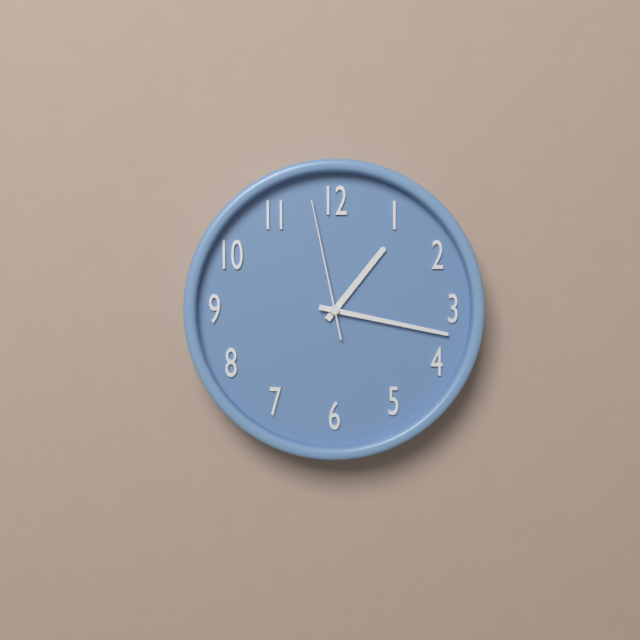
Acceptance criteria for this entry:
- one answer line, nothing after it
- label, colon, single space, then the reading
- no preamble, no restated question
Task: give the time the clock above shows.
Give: 1:17:58
